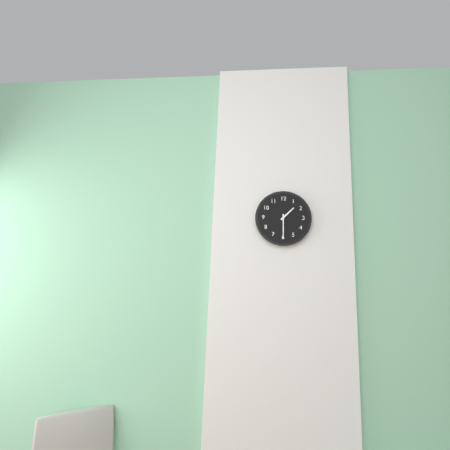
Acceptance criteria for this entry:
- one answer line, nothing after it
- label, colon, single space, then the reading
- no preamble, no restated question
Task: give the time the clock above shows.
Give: 1:30
